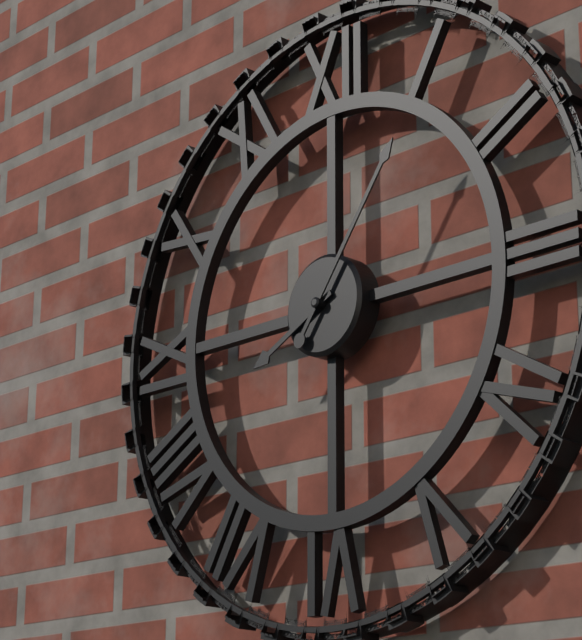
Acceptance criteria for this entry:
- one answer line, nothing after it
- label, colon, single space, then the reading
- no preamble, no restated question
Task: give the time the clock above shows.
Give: 8:06
